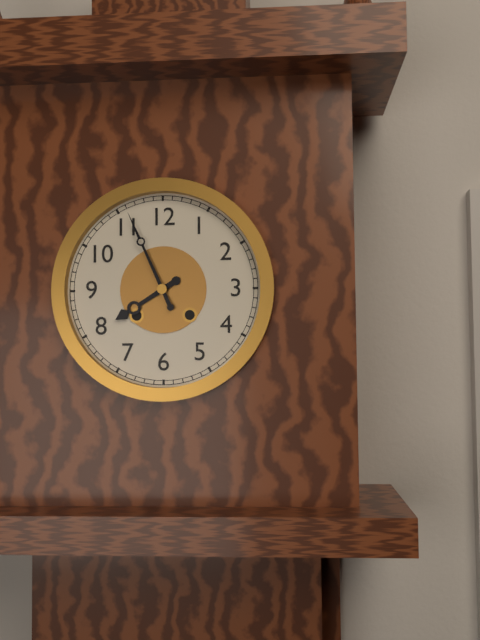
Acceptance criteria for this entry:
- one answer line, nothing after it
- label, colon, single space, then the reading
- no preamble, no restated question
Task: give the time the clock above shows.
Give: 7:56
